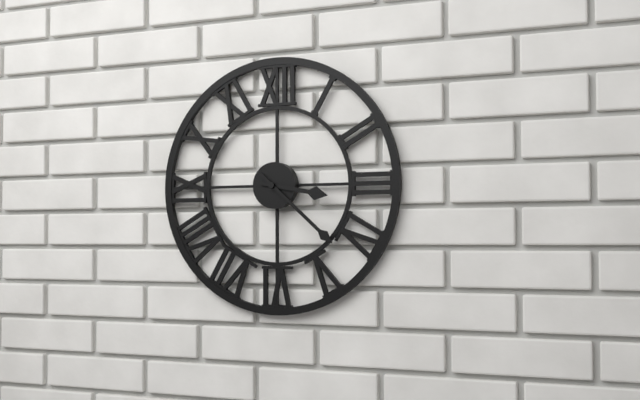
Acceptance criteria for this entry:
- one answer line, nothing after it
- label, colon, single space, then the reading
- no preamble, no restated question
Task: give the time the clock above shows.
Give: 3:22
